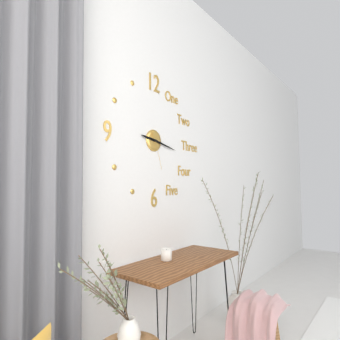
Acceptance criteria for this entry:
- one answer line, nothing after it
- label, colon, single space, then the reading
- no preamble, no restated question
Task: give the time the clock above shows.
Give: 9:17
